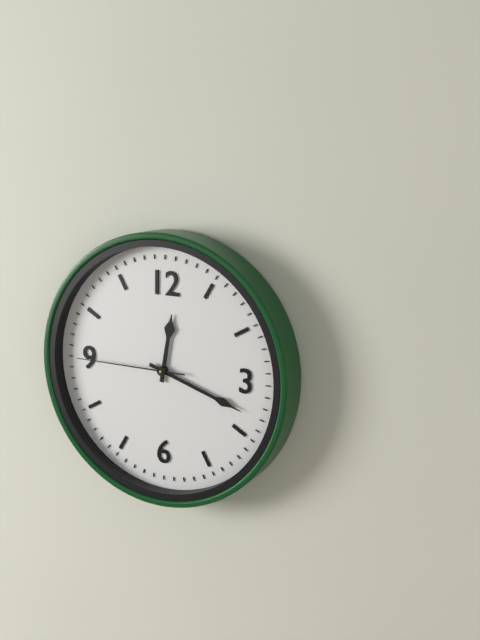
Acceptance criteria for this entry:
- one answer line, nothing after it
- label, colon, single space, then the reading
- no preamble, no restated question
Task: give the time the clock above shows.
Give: 12:18:45
